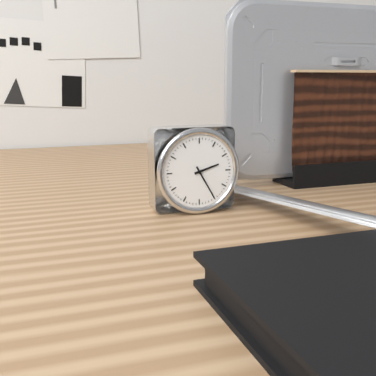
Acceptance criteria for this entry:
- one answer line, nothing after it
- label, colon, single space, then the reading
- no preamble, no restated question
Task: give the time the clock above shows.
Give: 2:25
